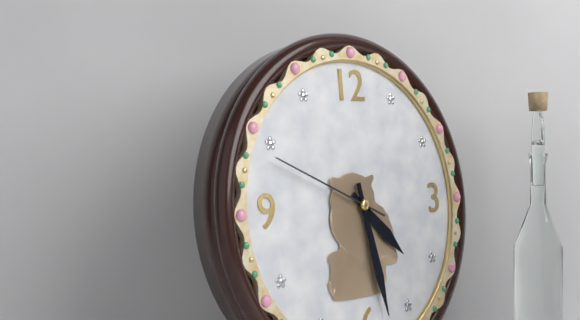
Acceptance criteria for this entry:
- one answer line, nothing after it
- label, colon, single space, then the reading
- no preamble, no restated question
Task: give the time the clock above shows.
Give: 4:28:49
